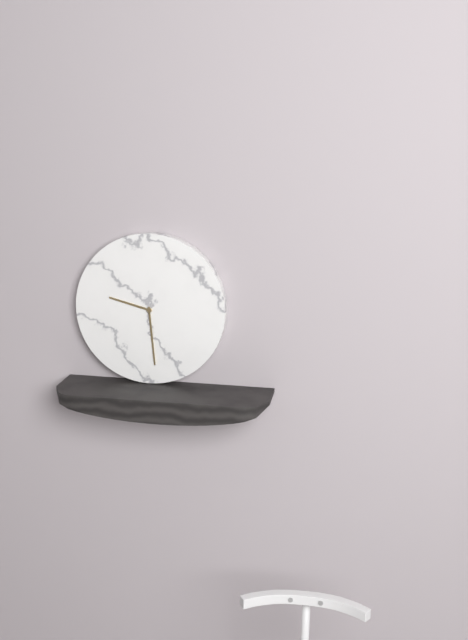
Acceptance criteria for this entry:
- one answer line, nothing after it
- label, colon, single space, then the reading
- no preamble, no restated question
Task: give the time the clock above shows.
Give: 9:29
